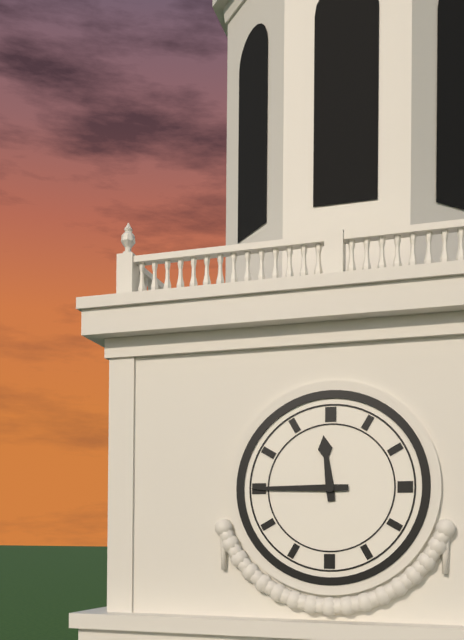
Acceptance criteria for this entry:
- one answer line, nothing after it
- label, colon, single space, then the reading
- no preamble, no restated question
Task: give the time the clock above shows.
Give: 11:45
